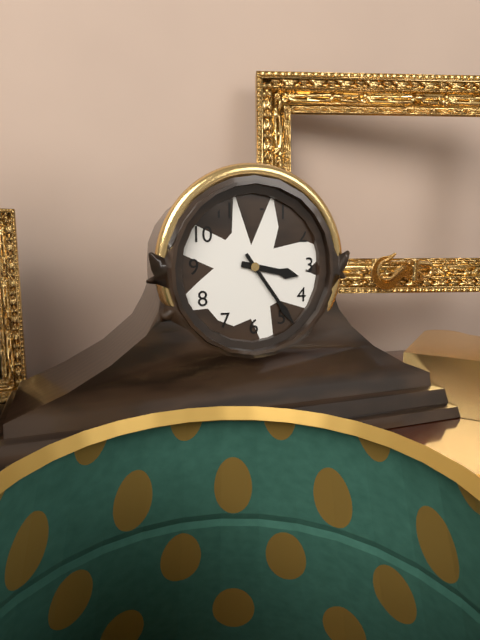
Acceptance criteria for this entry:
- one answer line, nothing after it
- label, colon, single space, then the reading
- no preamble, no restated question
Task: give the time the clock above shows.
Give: 3:24
